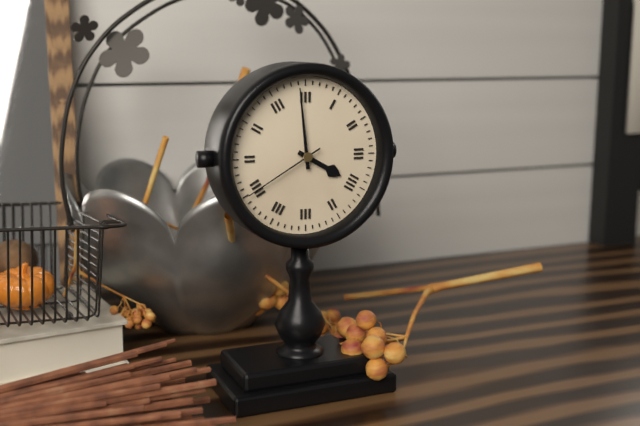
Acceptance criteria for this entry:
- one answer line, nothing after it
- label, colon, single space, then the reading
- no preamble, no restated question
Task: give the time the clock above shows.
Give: 3:59:40
